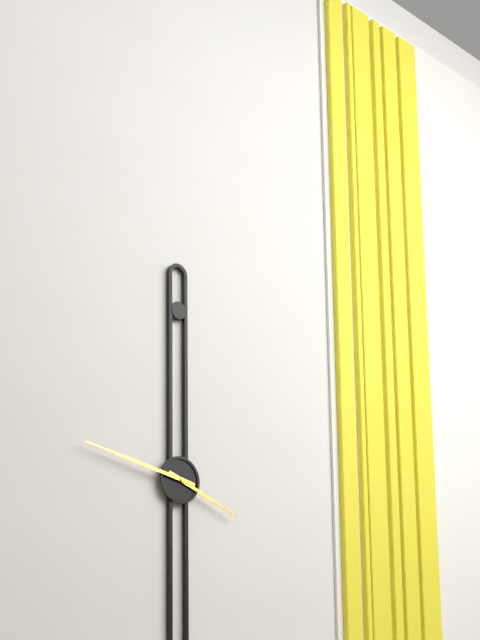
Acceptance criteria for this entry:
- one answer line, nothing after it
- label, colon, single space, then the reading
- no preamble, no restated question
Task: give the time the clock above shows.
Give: 3:47
